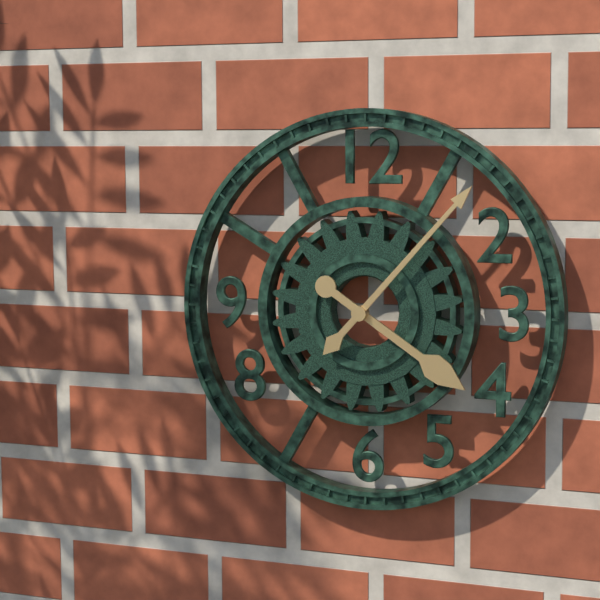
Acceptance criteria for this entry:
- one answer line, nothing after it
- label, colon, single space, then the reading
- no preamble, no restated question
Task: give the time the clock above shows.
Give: 4:07
